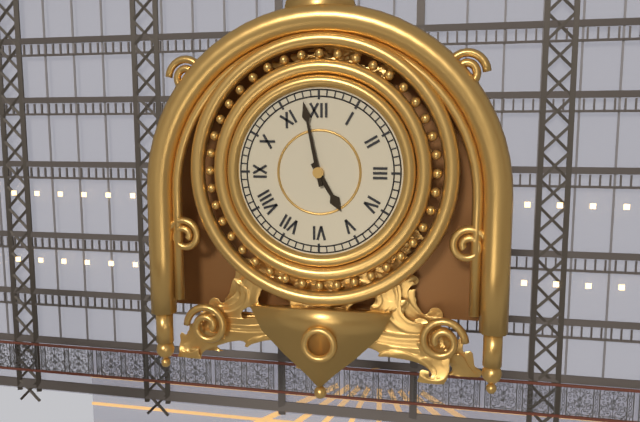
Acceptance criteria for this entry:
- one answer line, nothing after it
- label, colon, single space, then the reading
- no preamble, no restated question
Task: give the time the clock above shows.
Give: 4:58
